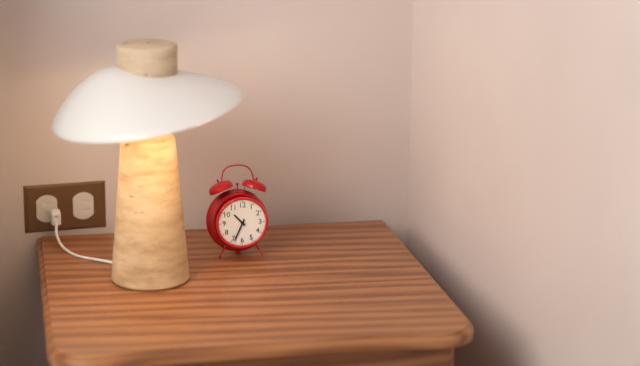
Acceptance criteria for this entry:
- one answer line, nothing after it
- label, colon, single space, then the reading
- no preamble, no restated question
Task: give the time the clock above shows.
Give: 10:34
